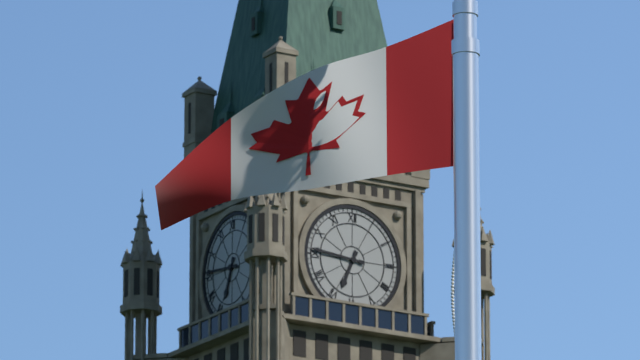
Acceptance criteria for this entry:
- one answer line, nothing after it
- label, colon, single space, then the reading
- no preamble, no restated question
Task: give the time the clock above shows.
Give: 6:46
